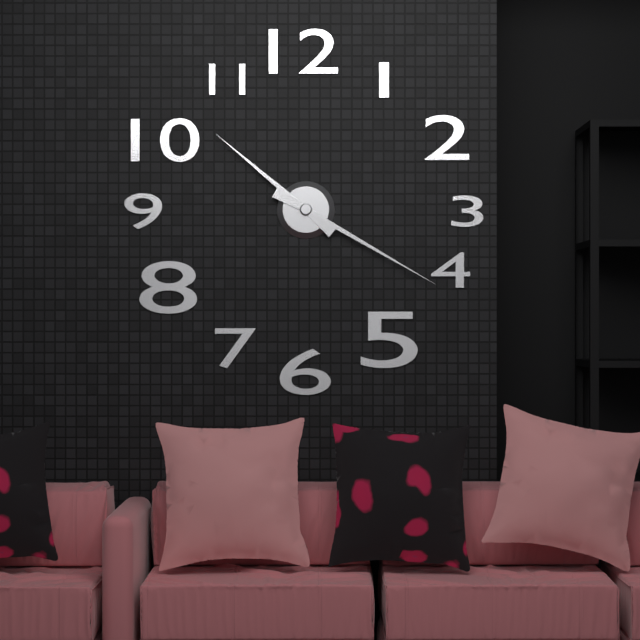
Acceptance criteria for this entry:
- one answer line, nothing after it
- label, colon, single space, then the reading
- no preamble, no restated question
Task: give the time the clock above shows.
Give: 10:20
